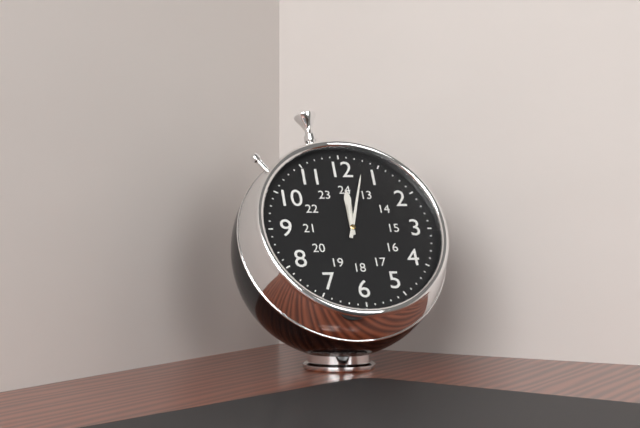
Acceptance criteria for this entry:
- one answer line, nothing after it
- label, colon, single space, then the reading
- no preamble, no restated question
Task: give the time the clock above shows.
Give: 12:03
